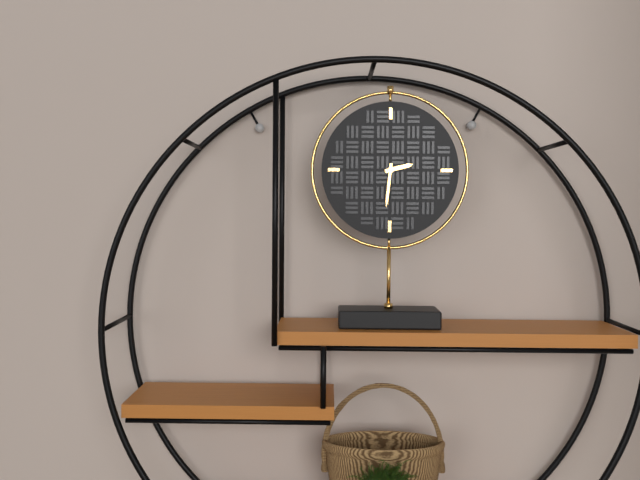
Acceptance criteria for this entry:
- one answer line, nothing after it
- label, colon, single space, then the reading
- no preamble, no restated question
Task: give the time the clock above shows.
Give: 2:31
